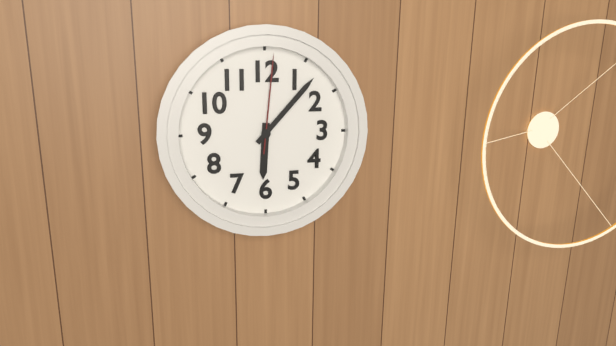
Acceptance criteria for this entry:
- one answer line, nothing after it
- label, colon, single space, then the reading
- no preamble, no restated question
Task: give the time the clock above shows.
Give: 6:07:01
